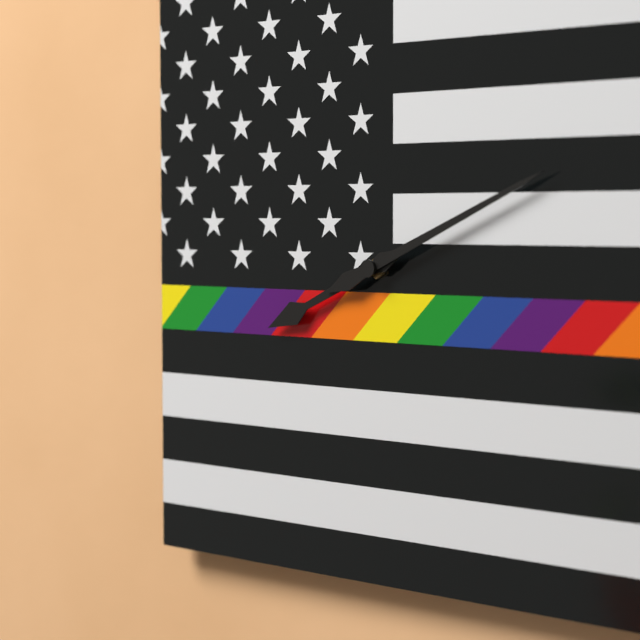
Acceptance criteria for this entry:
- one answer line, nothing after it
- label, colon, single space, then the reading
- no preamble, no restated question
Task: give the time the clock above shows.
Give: 8:11
